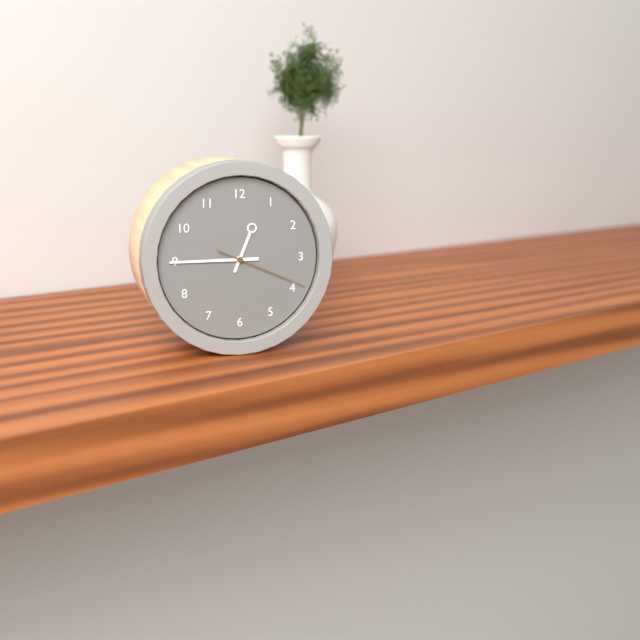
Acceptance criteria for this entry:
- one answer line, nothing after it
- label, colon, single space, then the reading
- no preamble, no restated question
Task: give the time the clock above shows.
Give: 12:45:19
